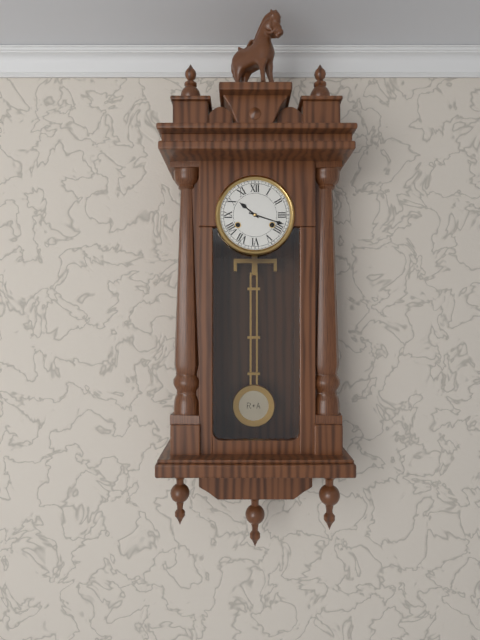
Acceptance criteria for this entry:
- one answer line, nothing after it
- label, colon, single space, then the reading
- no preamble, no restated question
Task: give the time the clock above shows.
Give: 10:18
